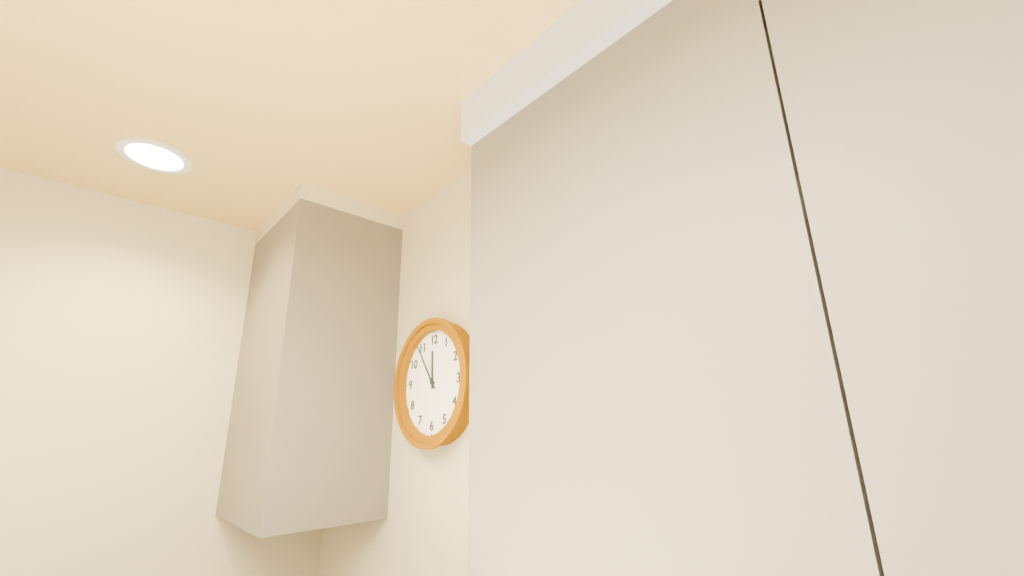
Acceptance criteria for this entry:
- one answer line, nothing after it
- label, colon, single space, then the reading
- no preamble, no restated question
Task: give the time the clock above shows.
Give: 11:54
